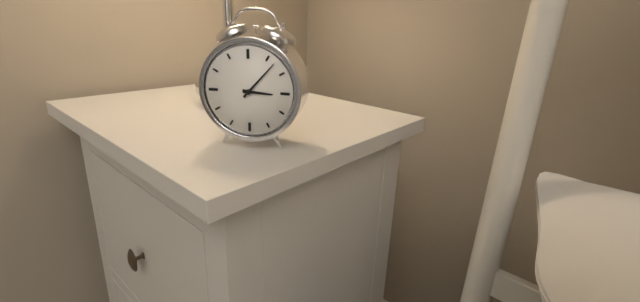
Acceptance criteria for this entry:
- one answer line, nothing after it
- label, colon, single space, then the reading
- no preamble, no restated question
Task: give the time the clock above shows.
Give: 3:07
